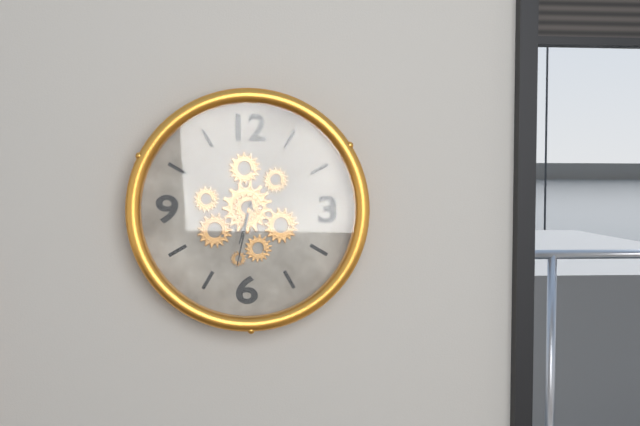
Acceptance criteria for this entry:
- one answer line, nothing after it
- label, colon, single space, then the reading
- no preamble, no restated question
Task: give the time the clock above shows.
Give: 6:32
